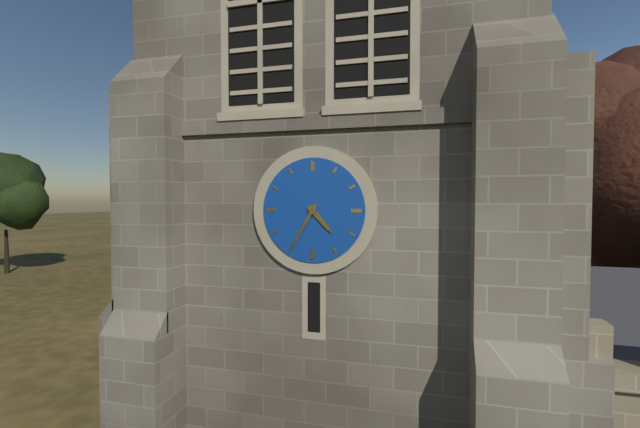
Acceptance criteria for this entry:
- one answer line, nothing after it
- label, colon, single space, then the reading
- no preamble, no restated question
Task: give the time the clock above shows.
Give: 4:35
